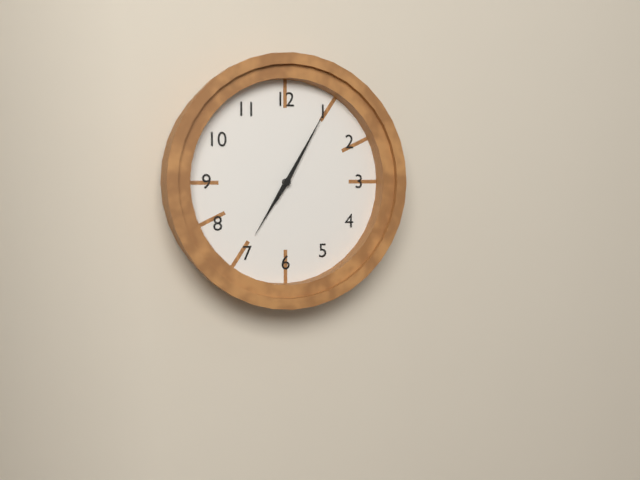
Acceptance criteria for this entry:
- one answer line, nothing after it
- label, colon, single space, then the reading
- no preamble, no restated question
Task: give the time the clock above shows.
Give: 7:05
